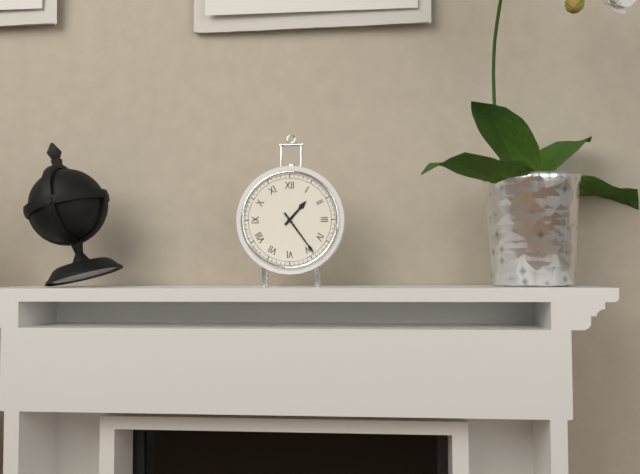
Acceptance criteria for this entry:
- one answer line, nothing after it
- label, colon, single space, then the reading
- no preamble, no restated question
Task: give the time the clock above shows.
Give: 1:24
